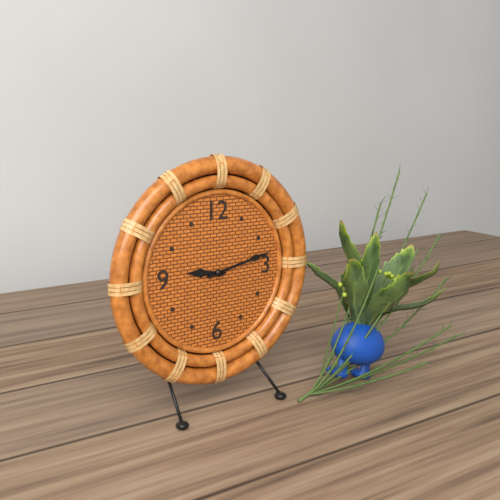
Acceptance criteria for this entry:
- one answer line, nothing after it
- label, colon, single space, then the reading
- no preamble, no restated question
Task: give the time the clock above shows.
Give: 9:13
